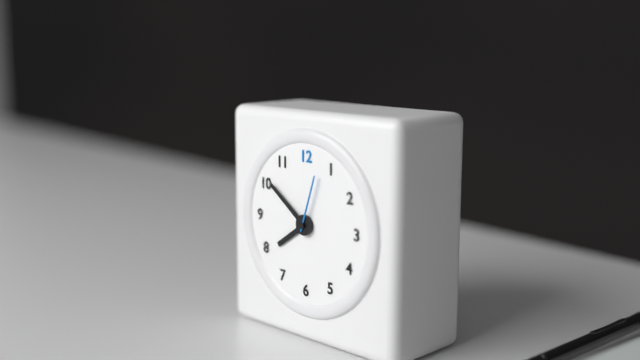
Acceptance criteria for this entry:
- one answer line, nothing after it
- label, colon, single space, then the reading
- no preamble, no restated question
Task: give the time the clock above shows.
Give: 7:51:03
